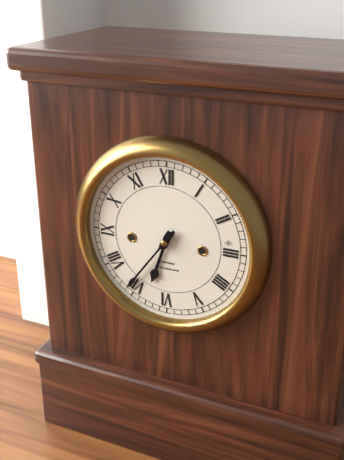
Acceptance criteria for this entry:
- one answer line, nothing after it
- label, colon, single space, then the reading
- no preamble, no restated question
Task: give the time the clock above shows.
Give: 6:36
